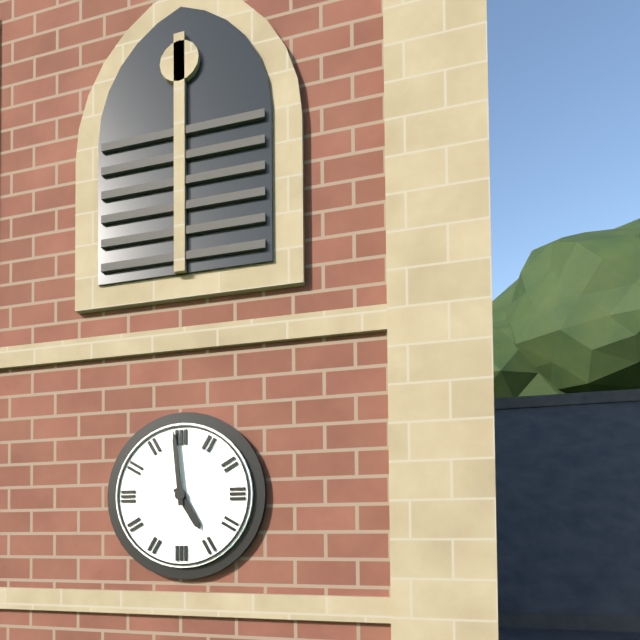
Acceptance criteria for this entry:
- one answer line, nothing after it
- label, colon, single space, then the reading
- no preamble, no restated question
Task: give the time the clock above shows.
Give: 4:59
